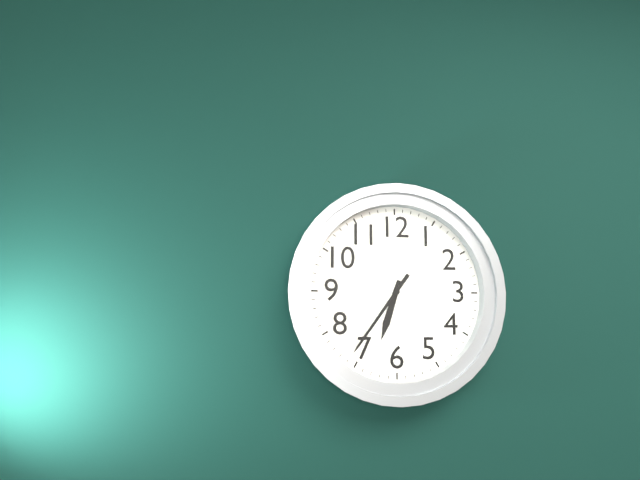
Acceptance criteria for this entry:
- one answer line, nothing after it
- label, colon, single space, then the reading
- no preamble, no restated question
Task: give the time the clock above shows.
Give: 6:36
